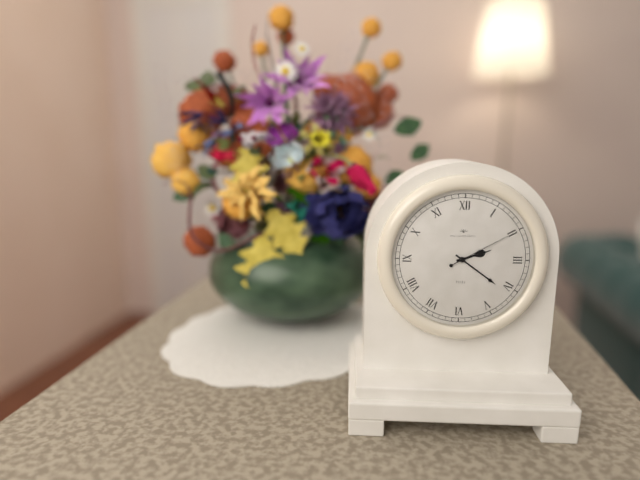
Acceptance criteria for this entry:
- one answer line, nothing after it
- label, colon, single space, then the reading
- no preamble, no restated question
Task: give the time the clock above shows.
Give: 2:21:10
